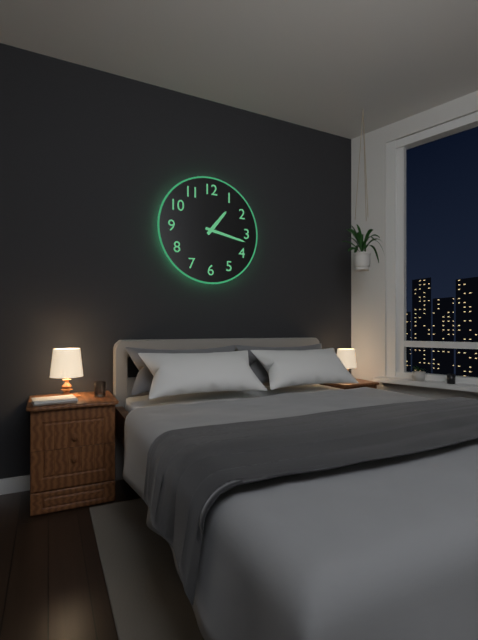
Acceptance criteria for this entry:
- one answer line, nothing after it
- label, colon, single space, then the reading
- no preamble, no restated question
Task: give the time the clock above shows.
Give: 1:17
